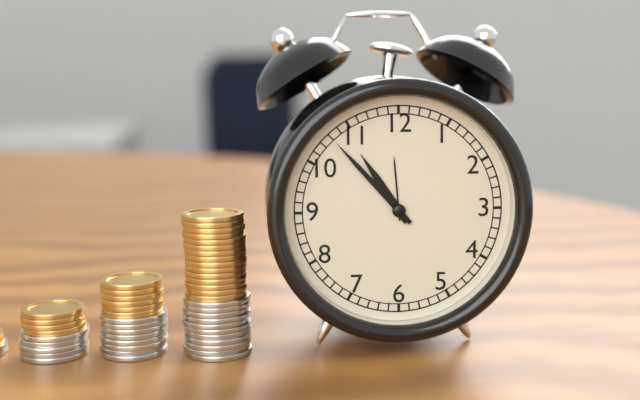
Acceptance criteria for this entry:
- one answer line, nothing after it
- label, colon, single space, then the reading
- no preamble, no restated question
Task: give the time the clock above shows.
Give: 10:53
